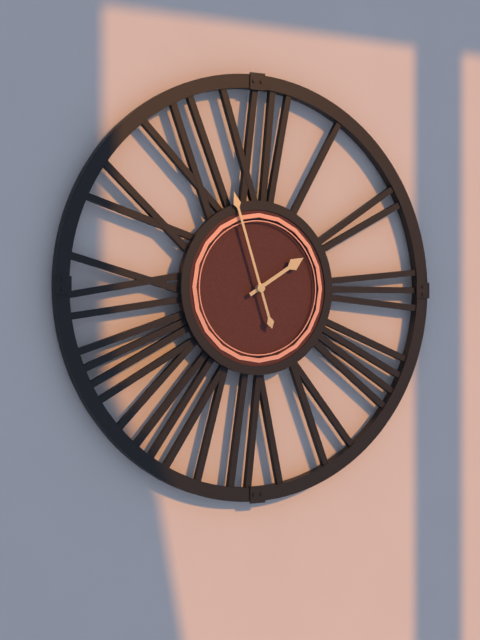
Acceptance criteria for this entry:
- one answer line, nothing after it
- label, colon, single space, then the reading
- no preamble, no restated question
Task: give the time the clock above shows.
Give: 1:57
